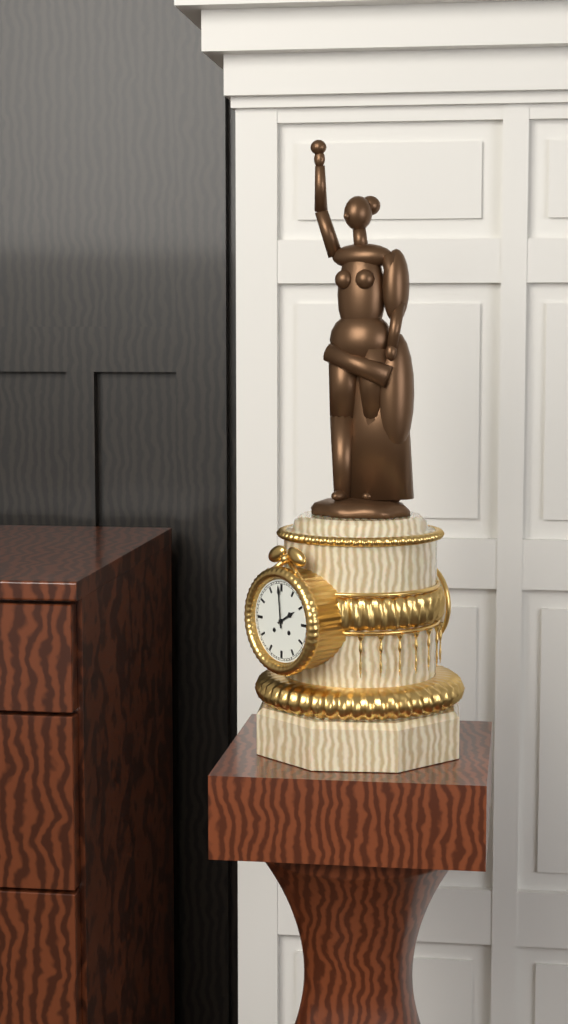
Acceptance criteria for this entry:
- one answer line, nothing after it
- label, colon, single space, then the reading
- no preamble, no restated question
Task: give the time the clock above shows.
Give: 1:59
